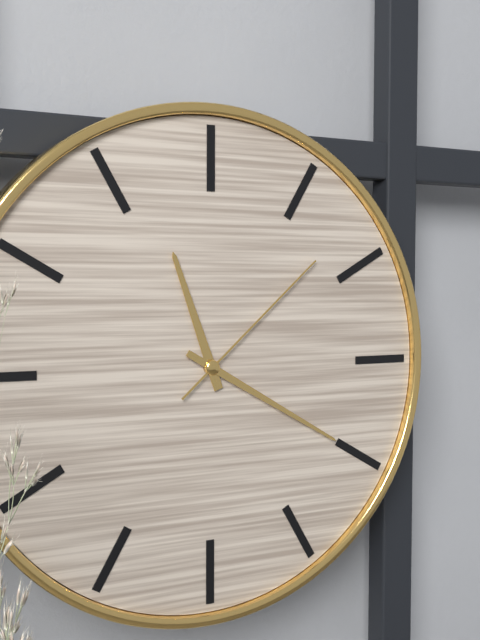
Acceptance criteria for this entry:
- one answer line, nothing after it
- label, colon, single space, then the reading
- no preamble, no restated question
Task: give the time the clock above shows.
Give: 11:20:08
